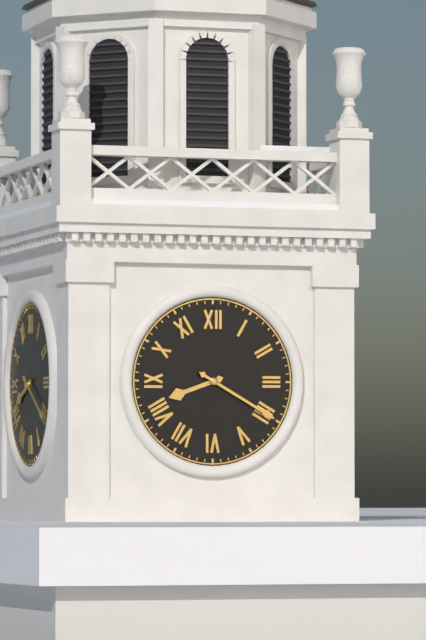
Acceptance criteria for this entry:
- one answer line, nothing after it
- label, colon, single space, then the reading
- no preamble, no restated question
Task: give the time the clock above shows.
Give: 8:20
